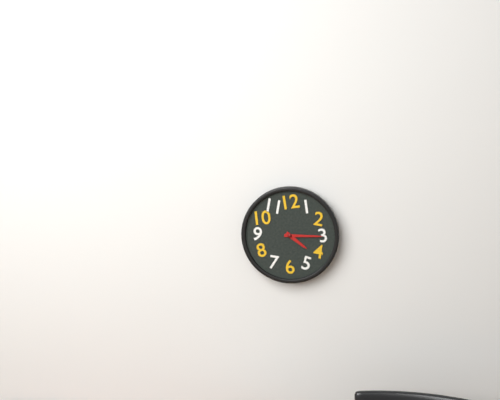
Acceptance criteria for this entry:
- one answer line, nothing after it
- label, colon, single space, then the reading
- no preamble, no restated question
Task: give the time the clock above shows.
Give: 4:15
